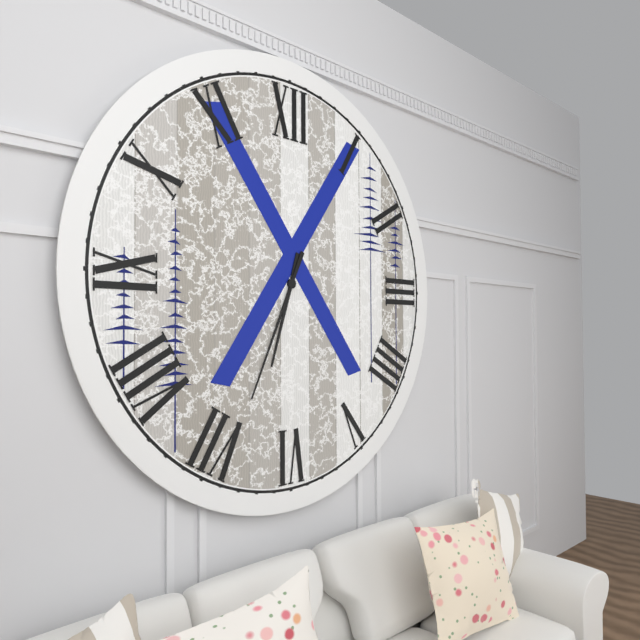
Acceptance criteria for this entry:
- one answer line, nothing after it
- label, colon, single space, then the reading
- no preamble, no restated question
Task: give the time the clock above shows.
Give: 6:34
